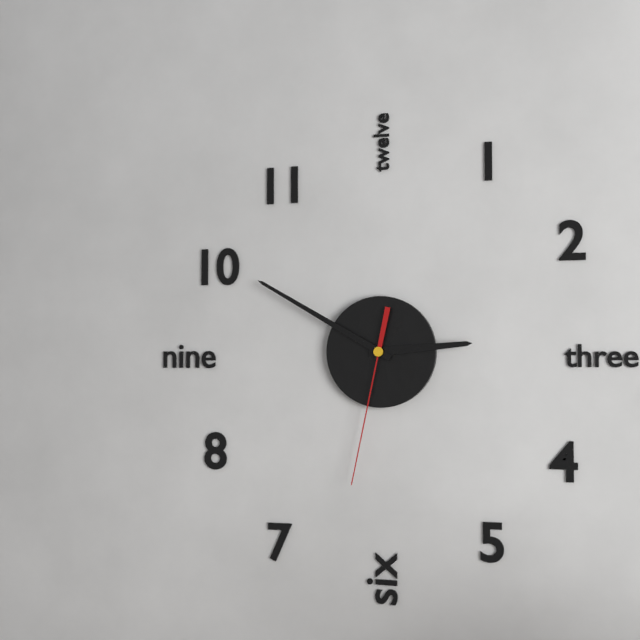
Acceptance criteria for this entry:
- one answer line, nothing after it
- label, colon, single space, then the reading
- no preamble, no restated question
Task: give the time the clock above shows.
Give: 2:50:32
